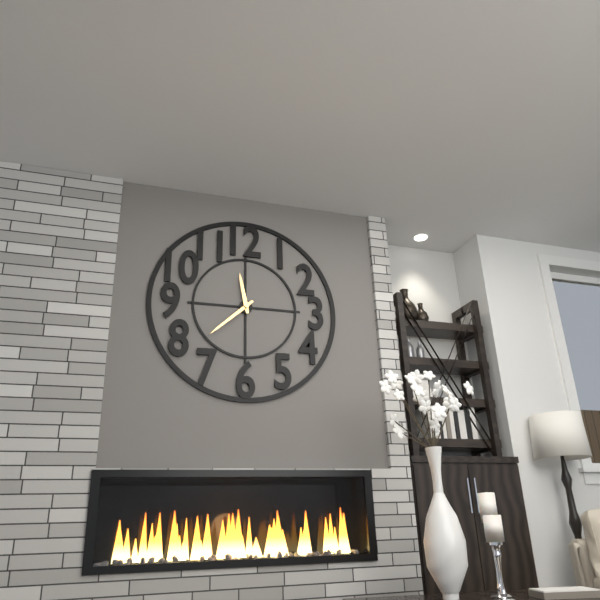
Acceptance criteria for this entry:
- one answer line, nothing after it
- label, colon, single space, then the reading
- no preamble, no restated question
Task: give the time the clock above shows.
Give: 11:38
